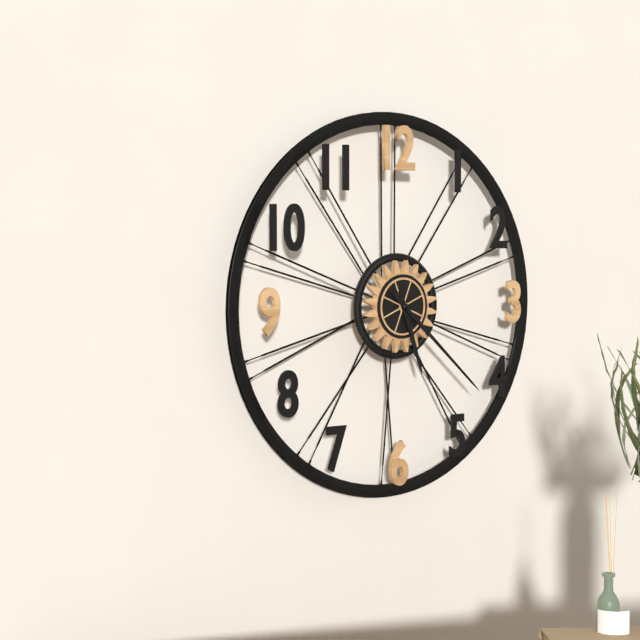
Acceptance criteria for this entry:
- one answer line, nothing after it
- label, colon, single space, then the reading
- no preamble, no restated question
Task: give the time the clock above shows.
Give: 5:22
